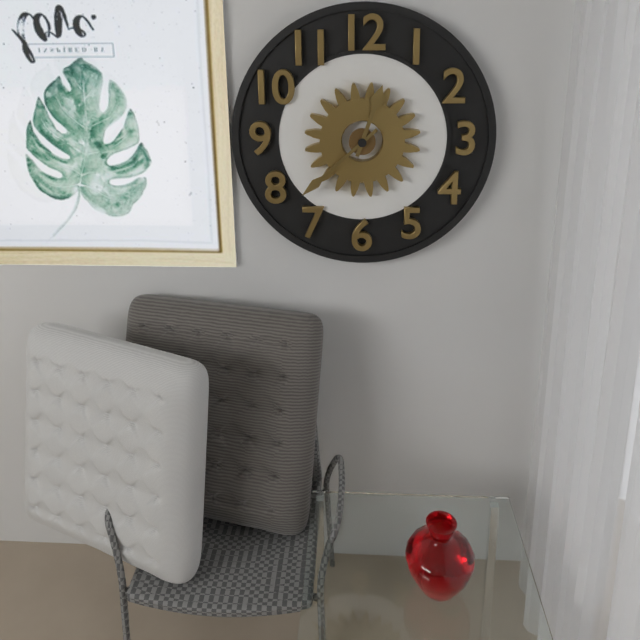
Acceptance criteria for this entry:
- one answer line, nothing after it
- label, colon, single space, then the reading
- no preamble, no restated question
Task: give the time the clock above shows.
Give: 12:38
